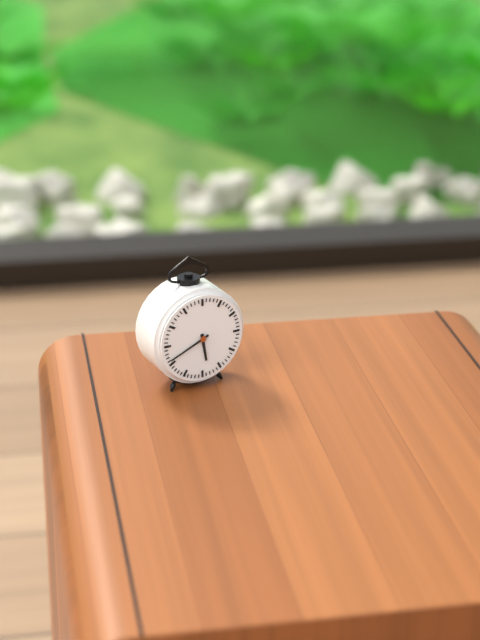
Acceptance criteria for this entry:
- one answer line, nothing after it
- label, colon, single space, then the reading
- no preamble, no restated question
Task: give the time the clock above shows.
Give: 5:41
